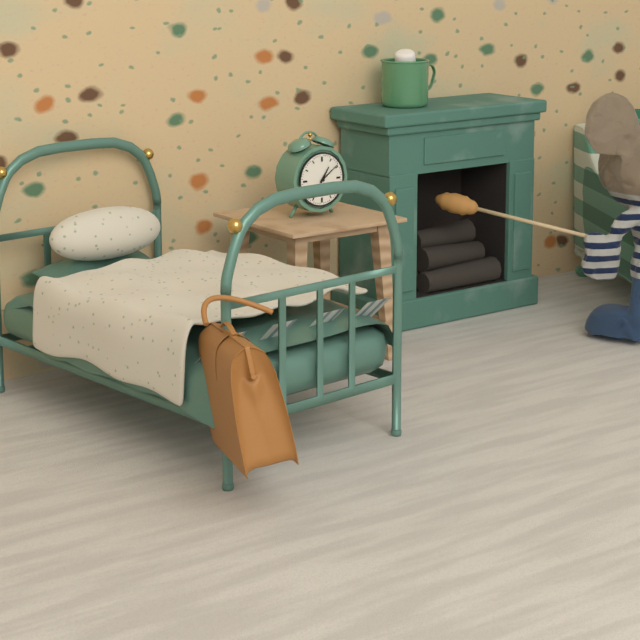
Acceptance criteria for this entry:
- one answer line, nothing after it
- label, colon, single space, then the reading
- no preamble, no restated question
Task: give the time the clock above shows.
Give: 1:09
